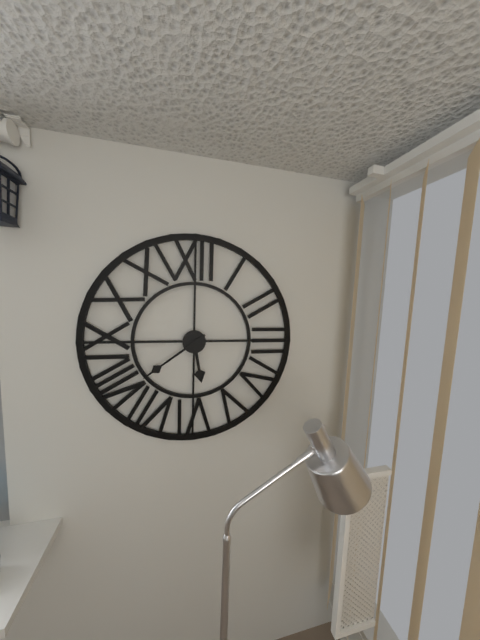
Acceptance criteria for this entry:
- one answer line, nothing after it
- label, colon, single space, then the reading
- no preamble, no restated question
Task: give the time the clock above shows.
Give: 5:39
